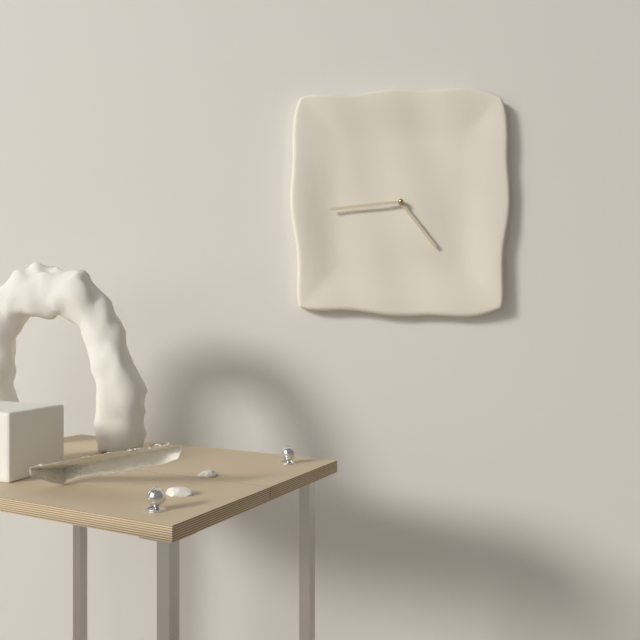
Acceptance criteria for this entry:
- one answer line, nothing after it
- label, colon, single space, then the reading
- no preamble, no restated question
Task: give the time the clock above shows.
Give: 4:44
